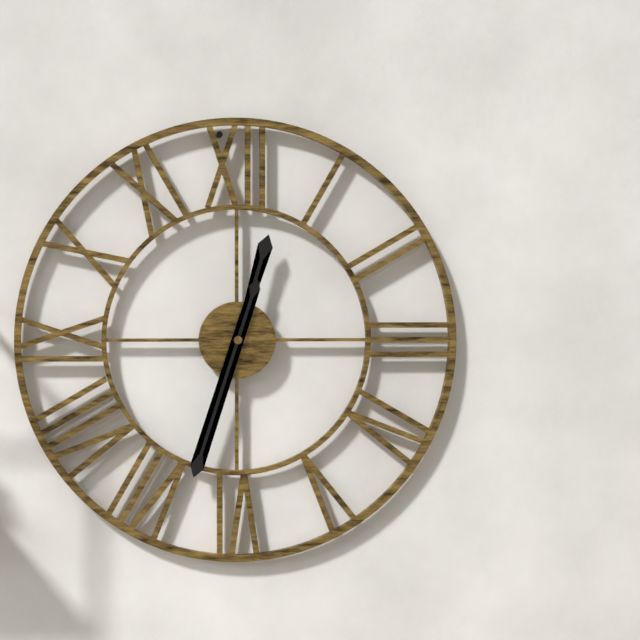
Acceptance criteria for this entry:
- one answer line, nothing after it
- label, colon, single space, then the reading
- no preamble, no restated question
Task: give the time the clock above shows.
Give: 12:33
